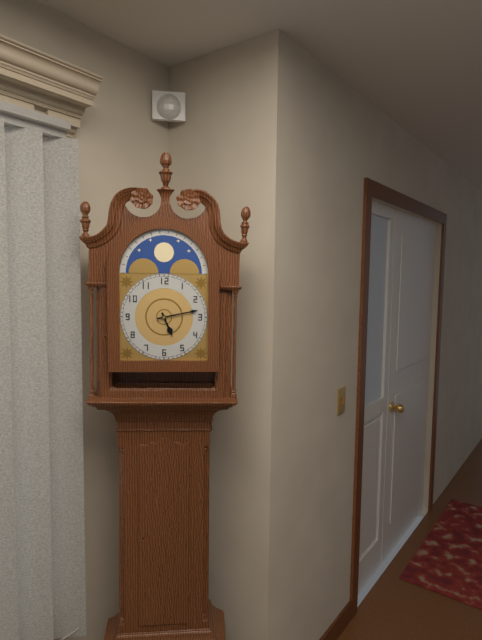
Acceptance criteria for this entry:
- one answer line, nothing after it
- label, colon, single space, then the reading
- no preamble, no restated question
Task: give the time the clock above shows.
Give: 5:13
